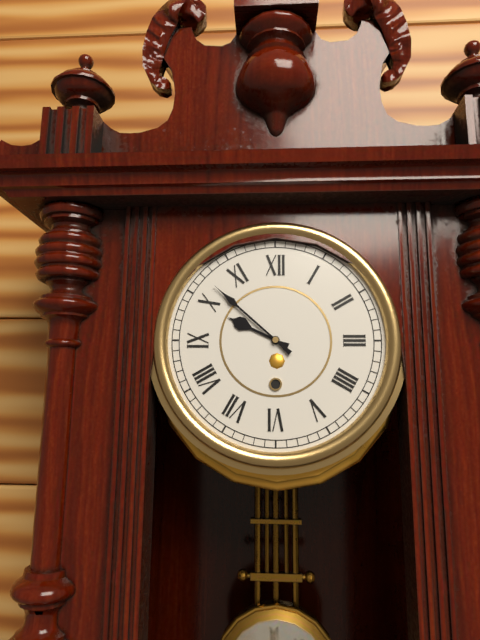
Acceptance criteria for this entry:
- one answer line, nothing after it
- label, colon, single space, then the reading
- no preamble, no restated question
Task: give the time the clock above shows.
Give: 9:52
